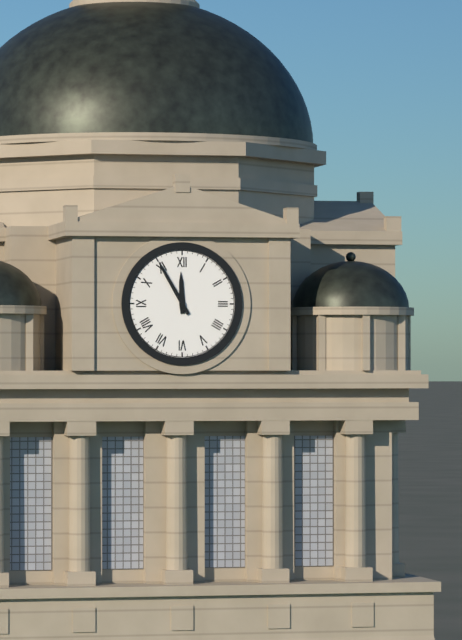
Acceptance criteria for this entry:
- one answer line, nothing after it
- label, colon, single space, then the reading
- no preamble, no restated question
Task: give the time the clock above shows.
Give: 11:55
